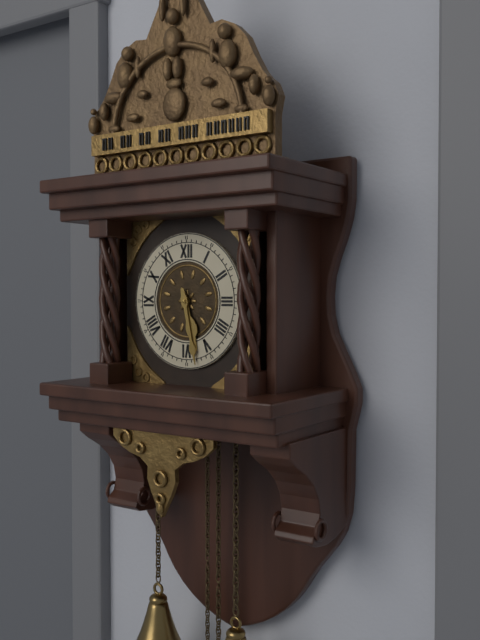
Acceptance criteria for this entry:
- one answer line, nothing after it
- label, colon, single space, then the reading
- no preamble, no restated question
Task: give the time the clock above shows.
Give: 5:28
